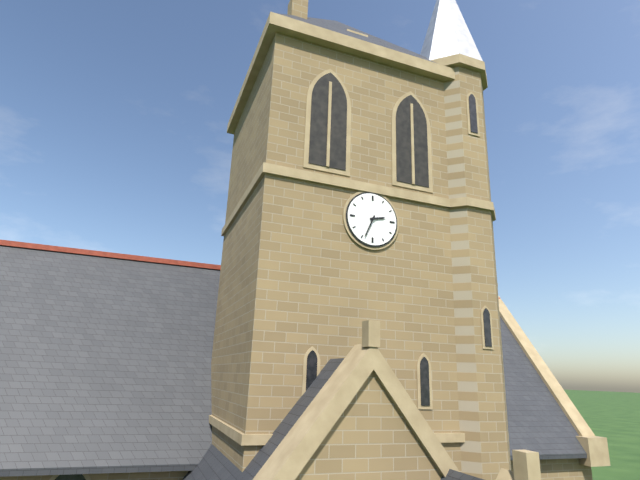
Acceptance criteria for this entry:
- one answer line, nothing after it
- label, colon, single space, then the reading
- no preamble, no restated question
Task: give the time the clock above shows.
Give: 2:34
